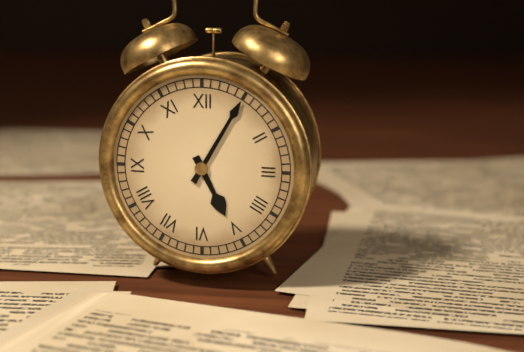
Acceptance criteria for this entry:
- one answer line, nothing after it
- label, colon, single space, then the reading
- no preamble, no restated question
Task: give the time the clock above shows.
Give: 5:05
